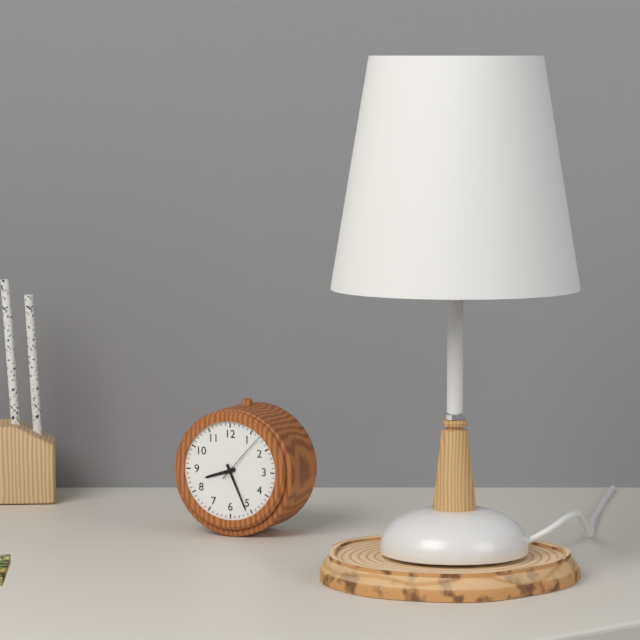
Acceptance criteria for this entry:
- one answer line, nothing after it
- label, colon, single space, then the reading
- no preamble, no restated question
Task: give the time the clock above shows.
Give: 8:26:07
